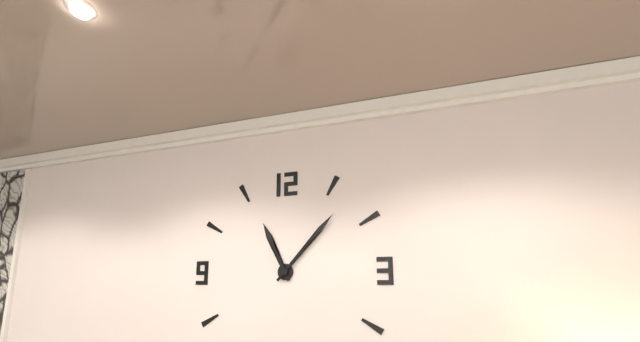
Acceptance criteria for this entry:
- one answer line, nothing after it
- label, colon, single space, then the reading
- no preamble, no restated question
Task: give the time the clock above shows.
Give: 11:07
